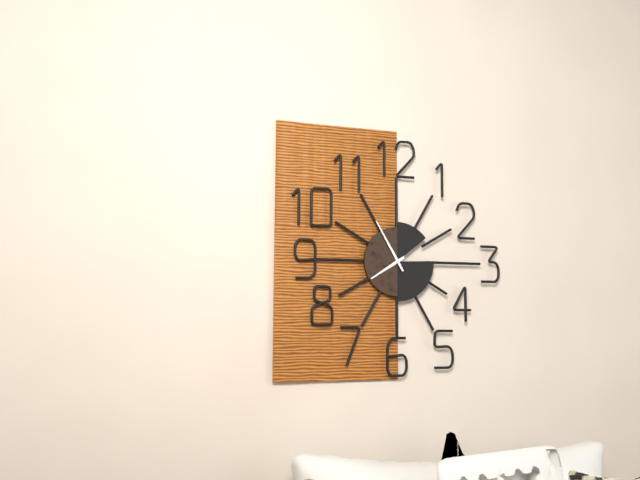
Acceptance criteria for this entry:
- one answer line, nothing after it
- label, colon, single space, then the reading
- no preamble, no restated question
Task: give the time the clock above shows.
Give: 7:55
